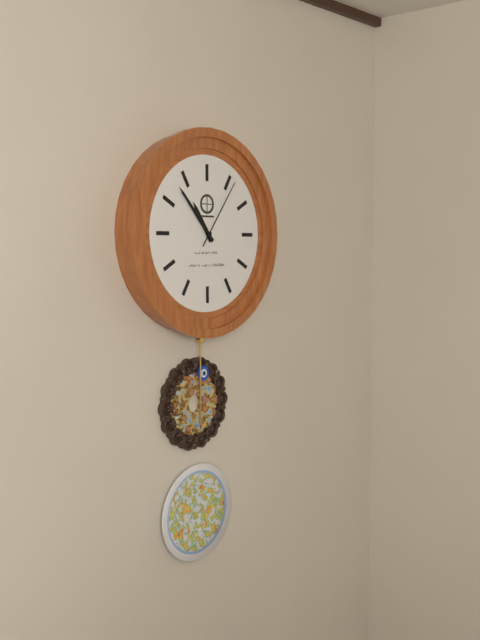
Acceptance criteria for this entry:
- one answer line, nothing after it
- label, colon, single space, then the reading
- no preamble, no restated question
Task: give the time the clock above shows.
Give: 10:53:06
